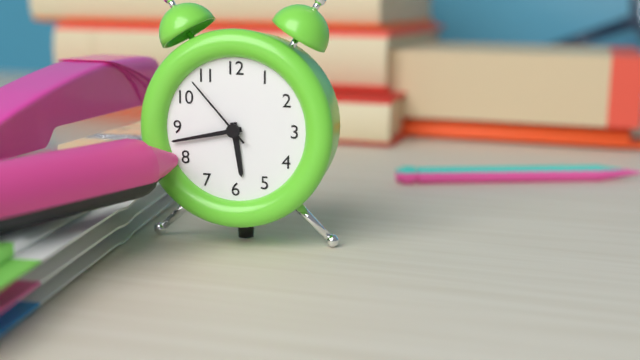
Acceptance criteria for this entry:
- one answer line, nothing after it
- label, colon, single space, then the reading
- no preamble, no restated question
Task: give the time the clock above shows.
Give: 5:43:53
